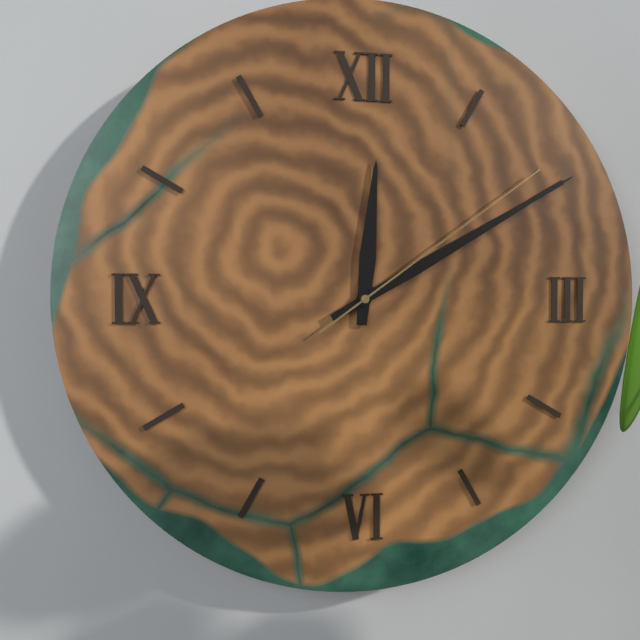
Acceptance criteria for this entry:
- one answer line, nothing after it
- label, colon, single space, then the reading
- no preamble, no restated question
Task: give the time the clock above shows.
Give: 12:10:09
